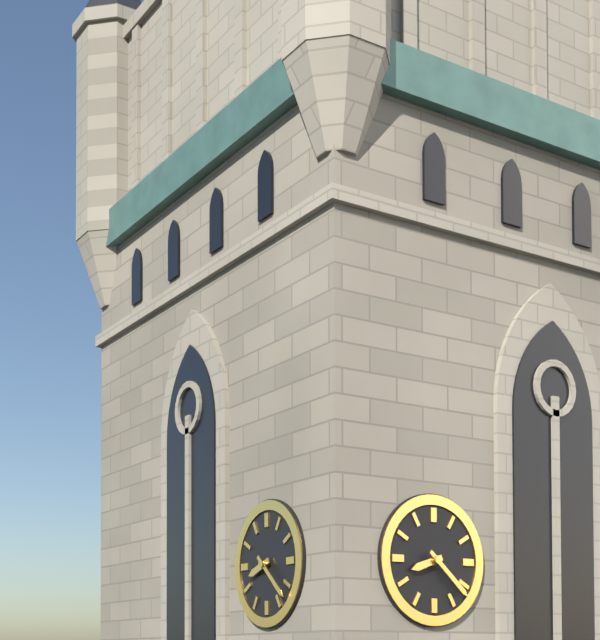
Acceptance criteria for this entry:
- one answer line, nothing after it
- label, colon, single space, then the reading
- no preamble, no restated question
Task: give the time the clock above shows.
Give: 8:22
